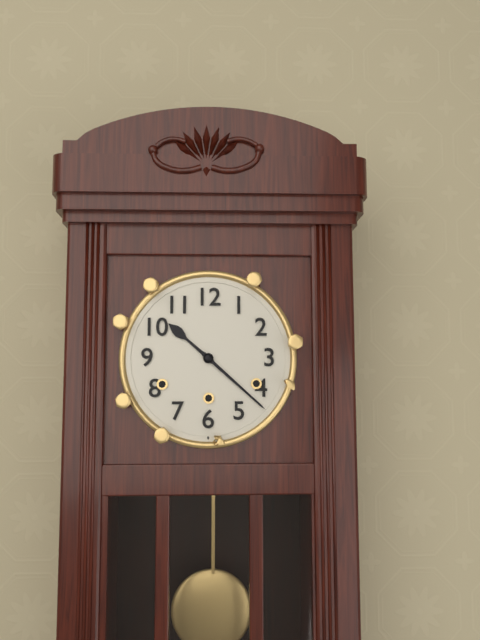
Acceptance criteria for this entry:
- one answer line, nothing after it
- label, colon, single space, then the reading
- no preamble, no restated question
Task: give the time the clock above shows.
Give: 10:22
